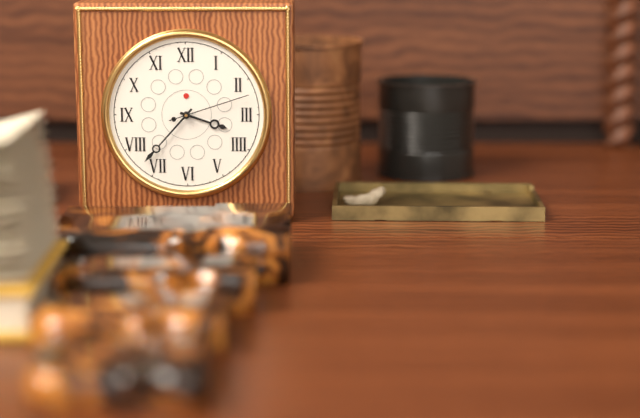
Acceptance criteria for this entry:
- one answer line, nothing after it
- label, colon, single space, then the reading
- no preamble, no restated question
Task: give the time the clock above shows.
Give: 3:37:12
